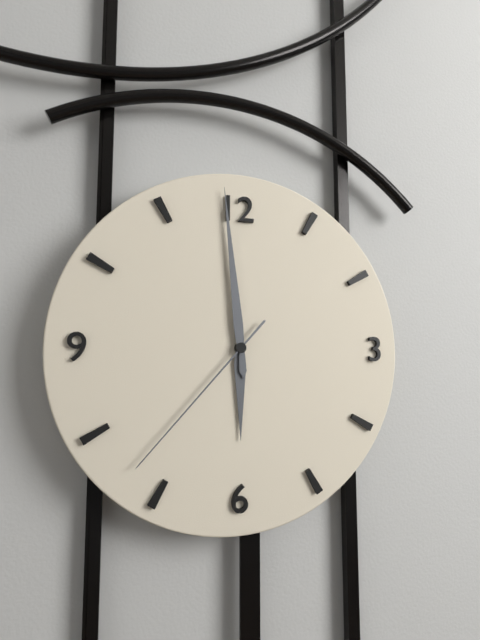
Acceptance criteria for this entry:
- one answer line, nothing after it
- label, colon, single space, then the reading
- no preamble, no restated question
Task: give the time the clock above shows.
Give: 5:59:37
